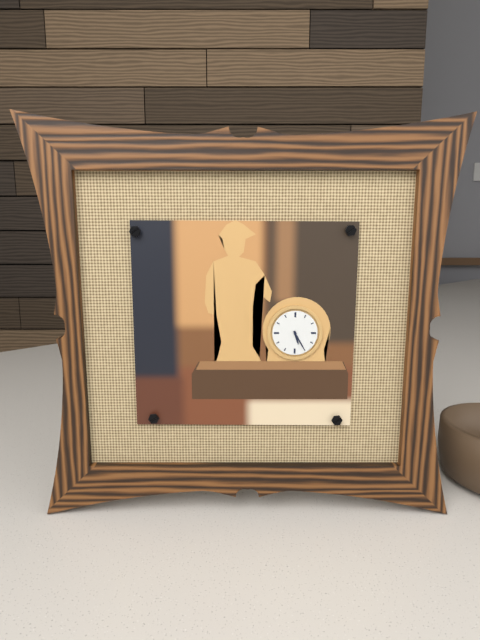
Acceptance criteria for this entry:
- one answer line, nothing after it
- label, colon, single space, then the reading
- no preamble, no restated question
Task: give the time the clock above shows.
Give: 5:25
